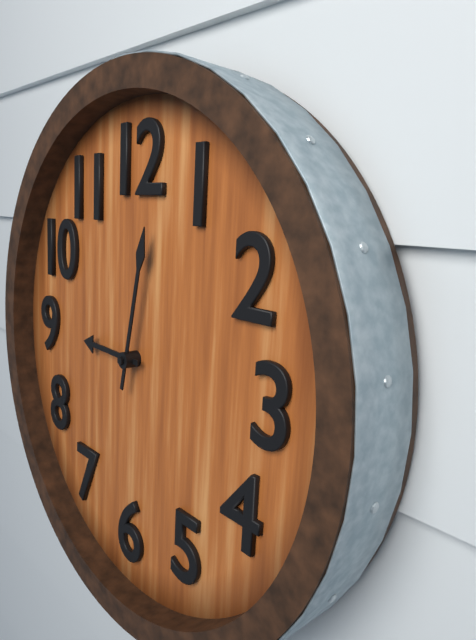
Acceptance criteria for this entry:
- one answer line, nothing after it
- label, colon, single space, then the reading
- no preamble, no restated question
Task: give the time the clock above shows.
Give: 9:02
